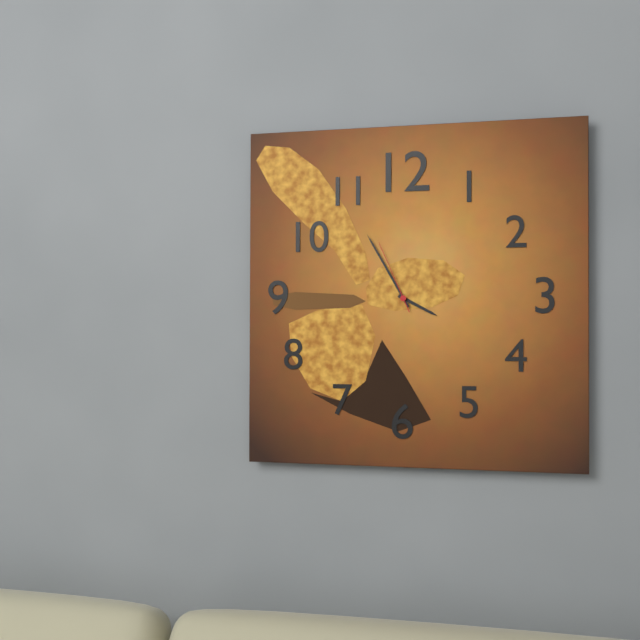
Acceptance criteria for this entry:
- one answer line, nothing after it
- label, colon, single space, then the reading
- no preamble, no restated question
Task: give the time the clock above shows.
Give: 3:55:56
